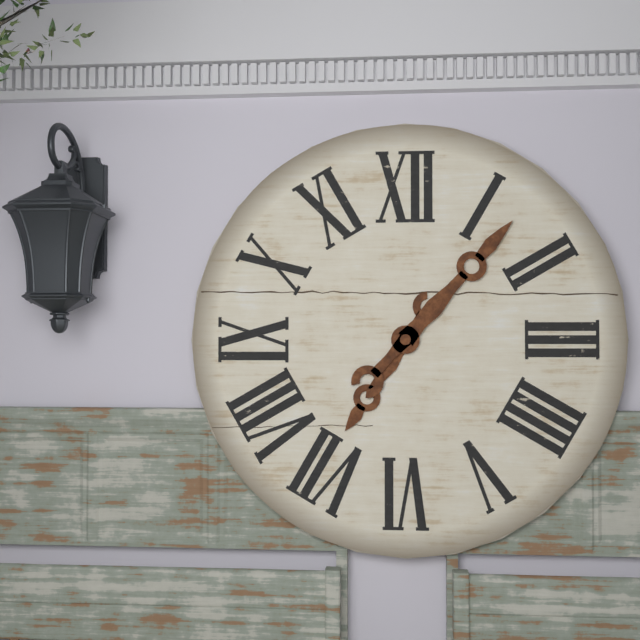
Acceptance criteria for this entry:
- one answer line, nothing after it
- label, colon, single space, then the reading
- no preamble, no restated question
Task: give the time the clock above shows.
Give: 7:07
